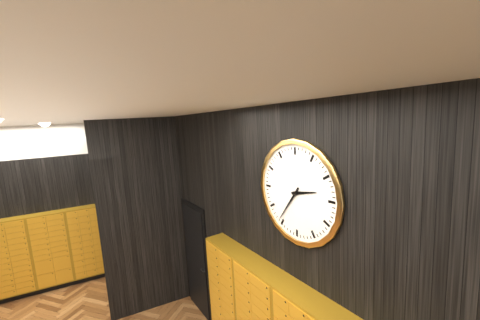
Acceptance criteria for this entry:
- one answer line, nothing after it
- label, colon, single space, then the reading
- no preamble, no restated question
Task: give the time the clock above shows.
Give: 2:36
